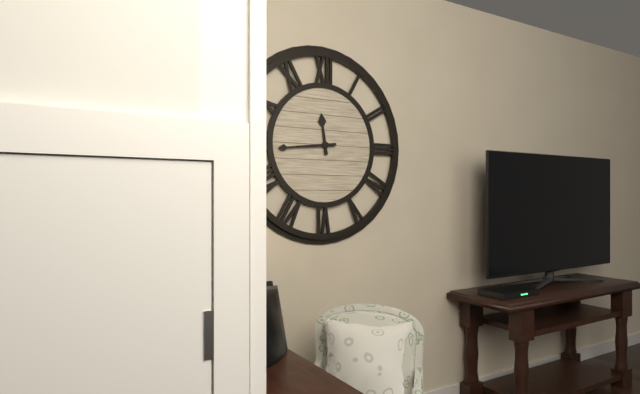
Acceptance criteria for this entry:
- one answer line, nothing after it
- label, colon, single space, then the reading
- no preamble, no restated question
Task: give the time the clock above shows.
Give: 11:44
